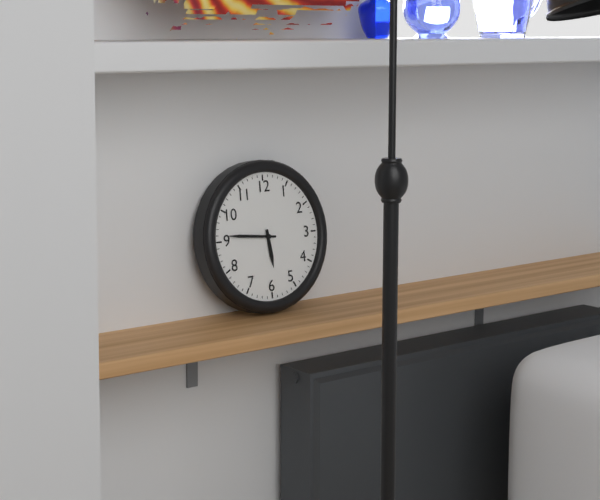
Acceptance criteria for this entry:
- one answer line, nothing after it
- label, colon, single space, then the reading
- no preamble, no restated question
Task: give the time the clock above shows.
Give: 5:46
